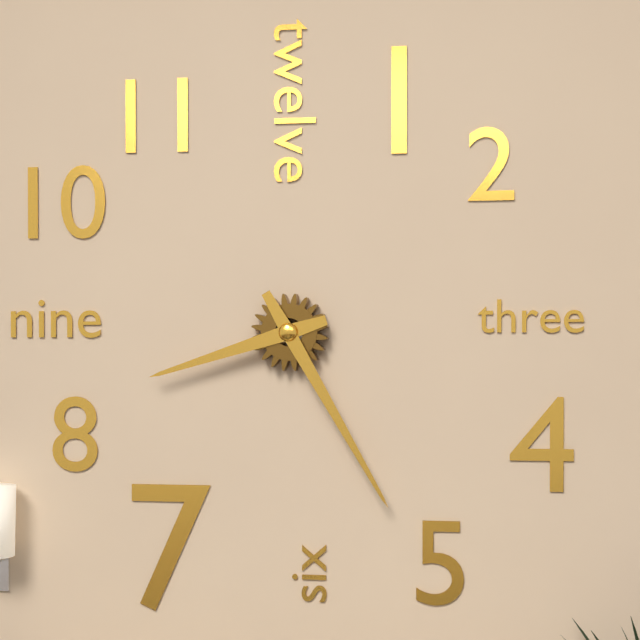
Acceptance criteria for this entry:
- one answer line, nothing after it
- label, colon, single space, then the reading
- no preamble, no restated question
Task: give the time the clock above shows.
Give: 8:25
